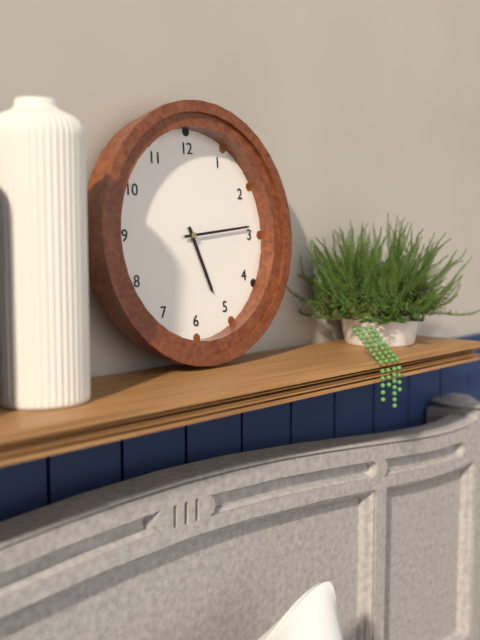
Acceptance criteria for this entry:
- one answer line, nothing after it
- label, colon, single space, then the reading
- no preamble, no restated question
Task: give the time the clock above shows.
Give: 5:14
